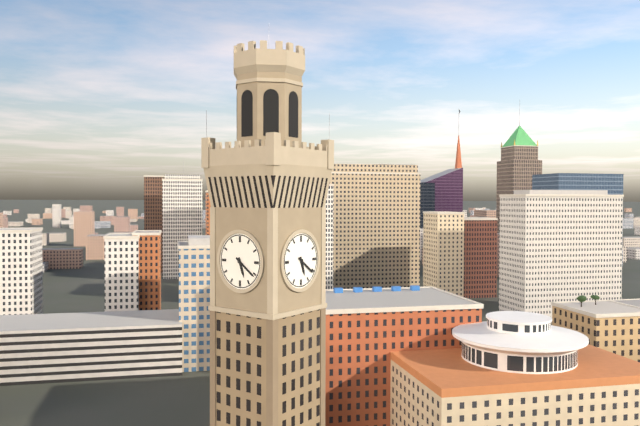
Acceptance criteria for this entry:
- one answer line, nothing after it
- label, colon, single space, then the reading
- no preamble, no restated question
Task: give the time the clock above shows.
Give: 5:21
